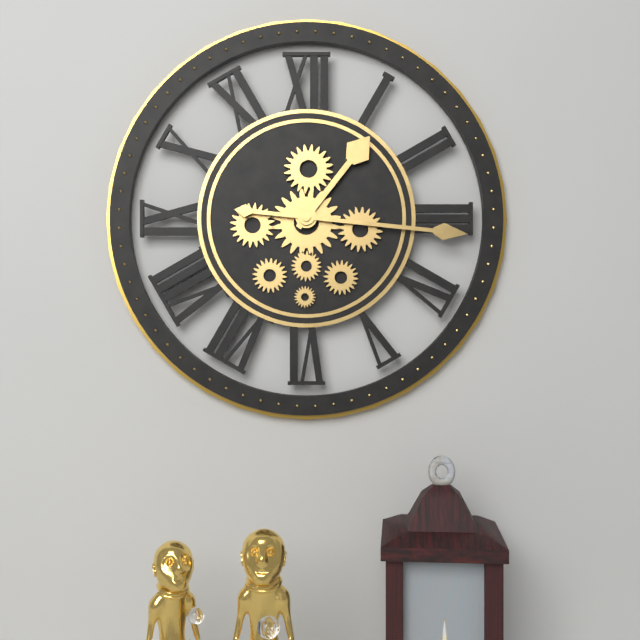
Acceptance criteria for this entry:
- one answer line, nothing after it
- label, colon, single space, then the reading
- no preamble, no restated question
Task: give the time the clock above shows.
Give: 1:16
